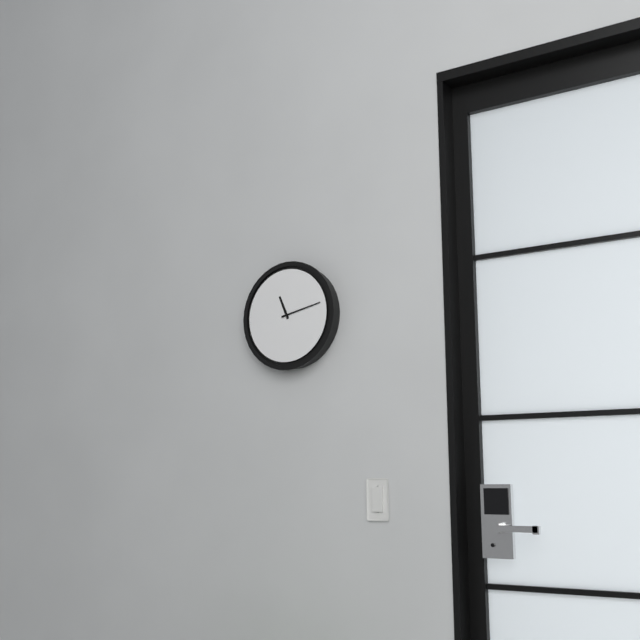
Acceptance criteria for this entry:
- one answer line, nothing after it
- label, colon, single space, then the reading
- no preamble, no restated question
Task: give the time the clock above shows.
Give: 11:13
